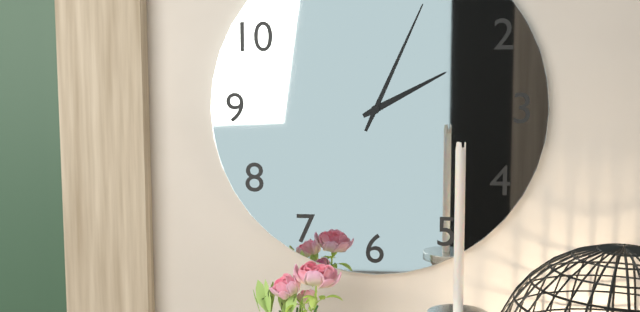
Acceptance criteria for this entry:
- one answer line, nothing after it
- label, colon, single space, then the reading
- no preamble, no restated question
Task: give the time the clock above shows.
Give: 2:04
